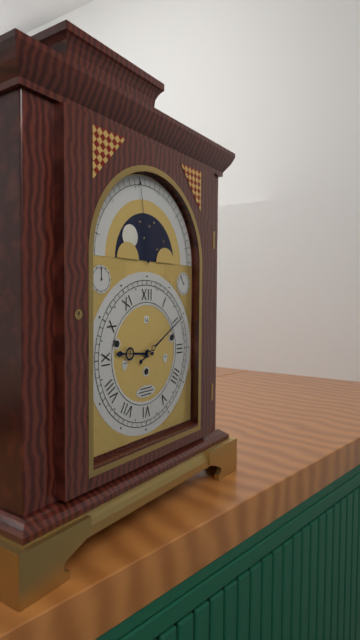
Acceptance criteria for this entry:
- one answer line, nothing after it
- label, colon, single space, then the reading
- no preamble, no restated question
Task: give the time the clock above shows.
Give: 9:10
